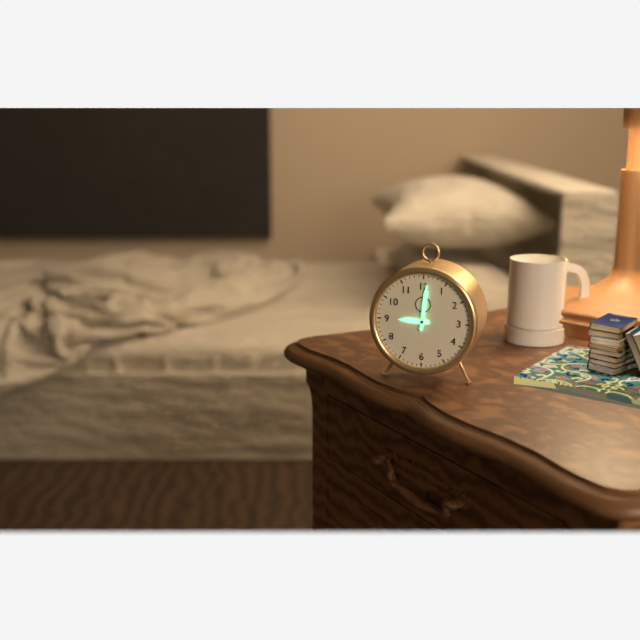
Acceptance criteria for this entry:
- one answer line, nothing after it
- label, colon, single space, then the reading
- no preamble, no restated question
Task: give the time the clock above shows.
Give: 9:01
